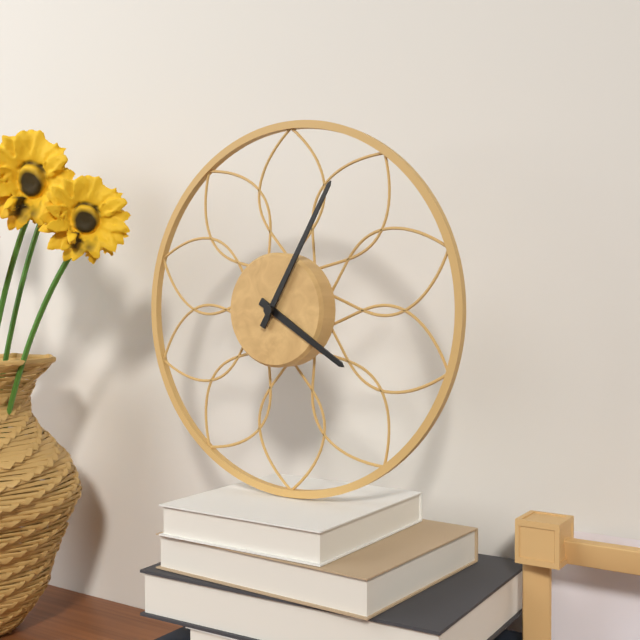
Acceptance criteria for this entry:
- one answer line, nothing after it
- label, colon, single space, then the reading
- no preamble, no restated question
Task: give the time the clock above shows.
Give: 4:05
